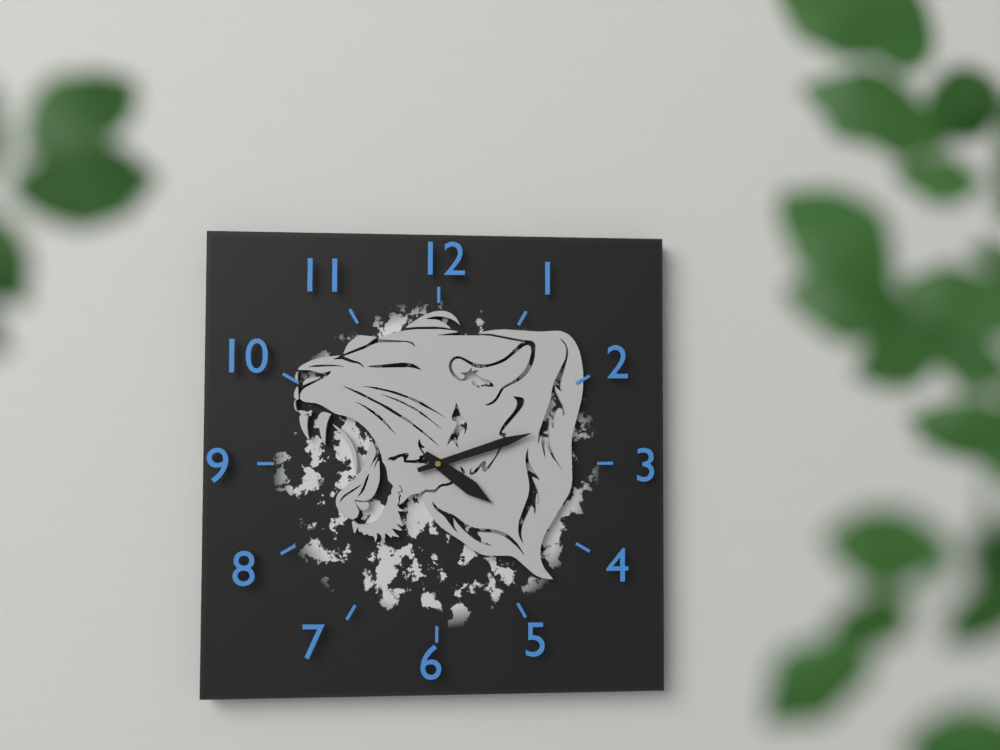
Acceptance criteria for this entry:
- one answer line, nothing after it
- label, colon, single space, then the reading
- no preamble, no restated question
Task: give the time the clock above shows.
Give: 4:12
